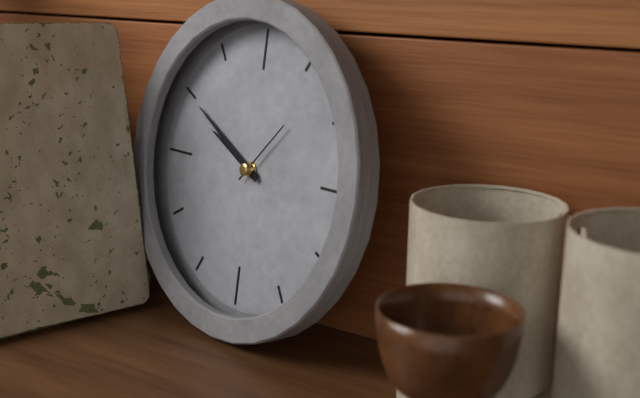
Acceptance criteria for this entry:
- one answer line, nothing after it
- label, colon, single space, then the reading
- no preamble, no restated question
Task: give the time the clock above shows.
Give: 9:50:07
